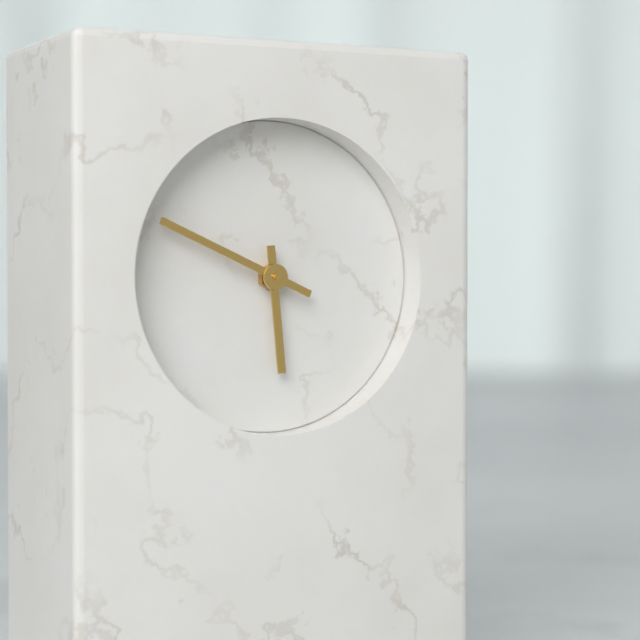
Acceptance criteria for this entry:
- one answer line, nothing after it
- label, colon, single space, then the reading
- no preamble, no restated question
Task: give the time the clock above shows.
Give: 5:49
